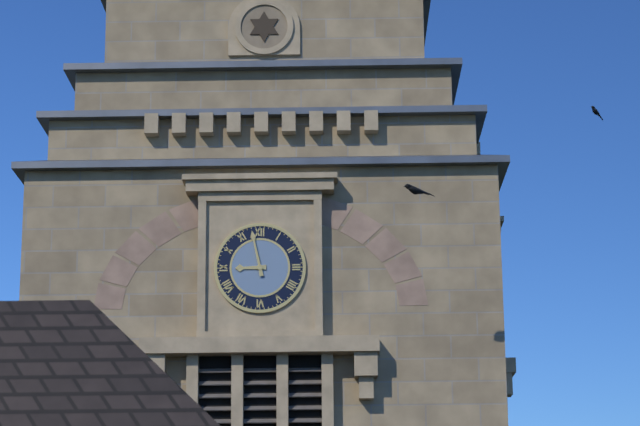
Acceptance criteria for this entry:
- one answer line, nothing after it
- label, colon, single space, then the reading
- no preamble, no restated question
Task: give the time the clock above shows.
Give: 8:58
